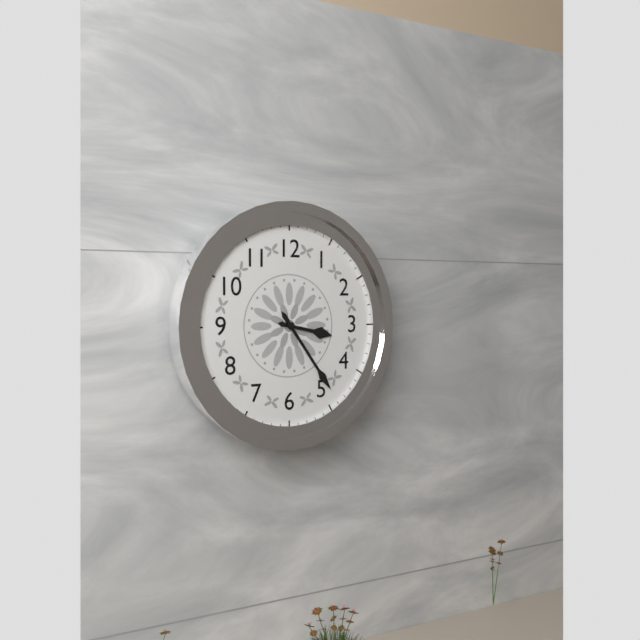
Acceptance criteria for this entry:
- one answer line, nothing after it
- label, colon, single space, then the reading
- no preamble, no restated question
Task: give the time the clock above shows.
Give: 3:24
